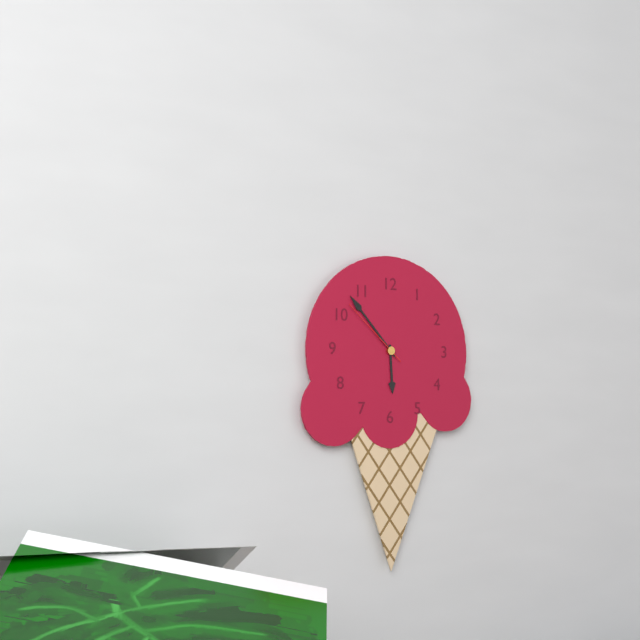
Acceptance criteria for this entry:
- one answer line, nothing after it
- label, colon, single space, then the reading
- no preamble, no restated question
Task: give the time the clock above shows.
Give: 5:53:52
